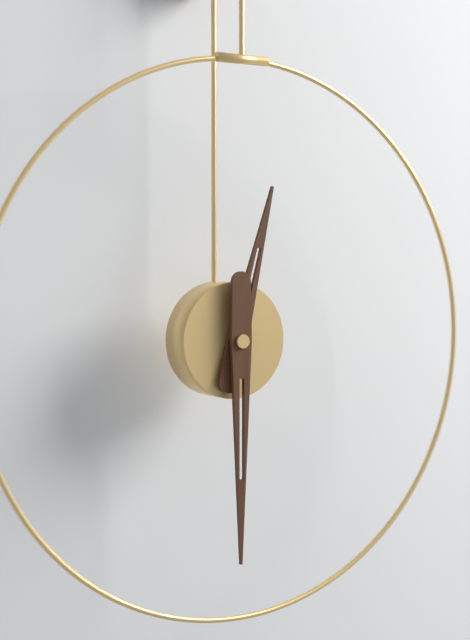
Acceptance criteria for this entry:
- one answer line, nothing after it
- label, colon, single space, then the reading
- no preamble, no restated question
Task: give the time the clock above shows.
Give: 12:30
